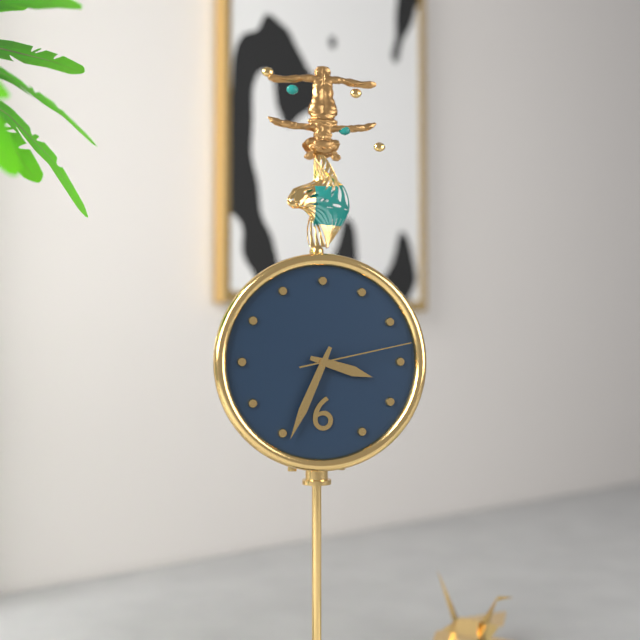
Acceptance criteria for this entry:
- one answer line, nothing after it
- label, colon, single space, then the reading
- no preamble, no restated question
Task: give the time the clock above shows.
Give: 3:34:13
